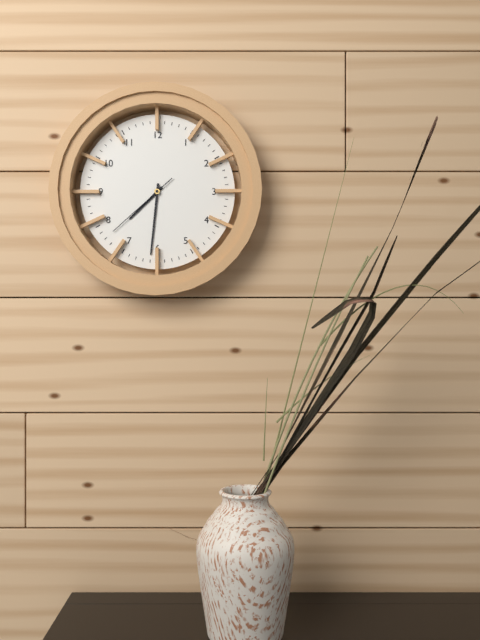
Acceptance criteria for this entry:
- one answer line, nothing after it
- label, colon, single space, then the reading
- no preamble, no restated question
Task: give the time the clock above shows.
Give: 7:31:38
